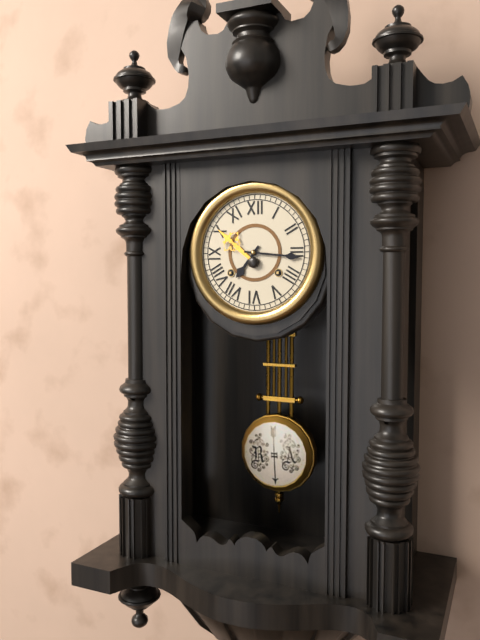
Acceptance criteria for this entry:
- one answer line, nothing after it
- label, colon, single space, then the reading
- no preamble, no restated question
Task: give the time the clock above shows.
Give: 7:16
